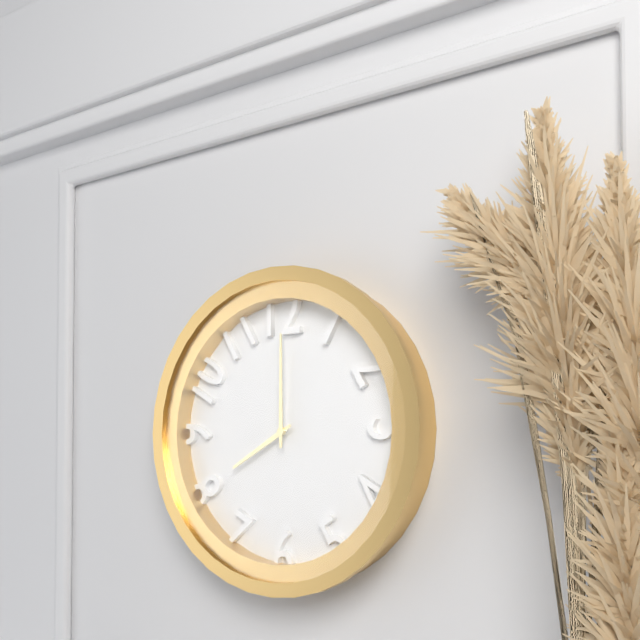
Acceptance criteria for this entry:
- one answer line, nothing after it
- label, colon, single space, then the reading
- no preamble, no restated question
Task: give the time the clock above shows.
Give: 8:00
